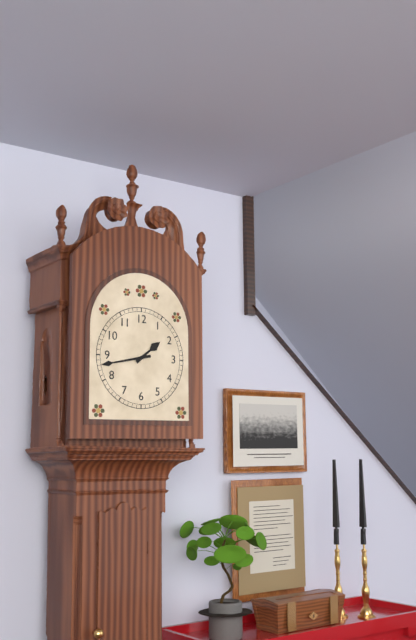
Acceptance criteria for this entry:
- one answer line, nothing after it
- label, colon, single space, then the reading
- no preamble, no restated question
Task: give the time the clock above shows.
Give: 1:43
